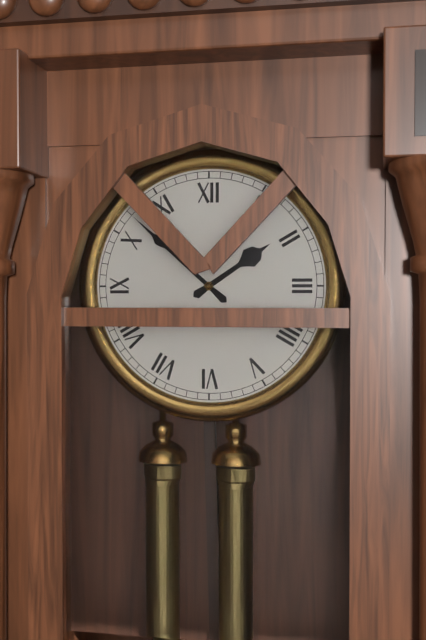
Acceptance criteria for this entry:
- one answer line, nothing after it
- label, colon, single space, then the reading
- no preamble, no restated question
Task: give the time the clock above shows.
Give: 1:52
